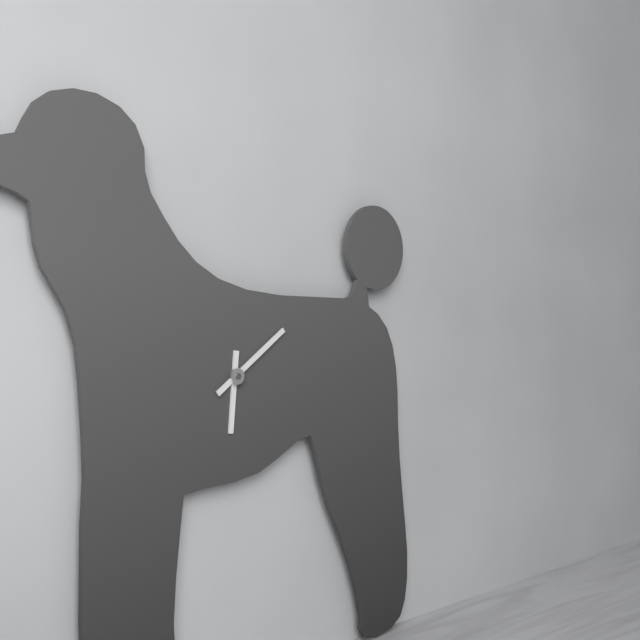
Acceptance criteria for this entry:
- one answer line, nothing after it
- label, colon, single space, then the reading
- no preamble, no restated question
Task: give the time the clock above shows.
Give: 6:09
